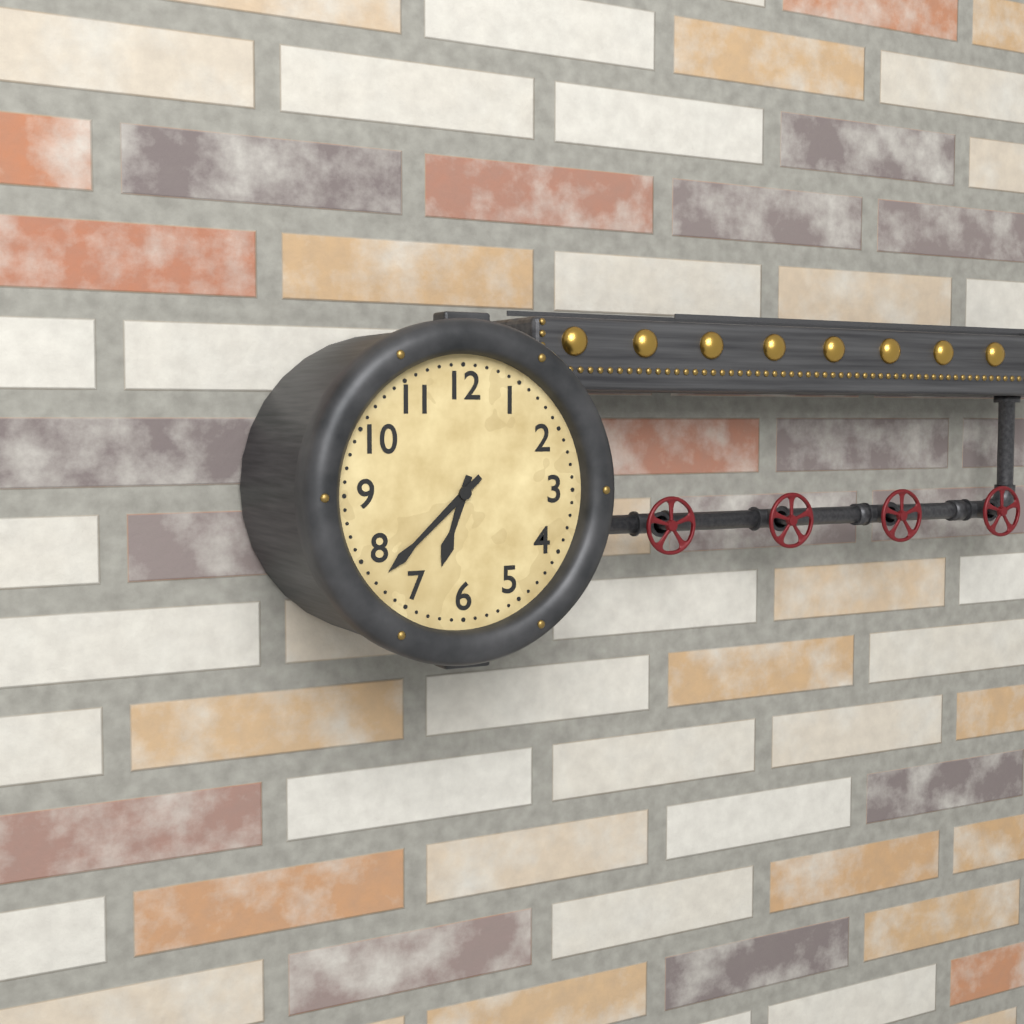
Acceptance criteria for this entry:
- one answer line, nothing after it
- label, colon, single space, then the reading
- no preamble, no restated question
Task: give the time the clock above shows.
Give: 6:38
